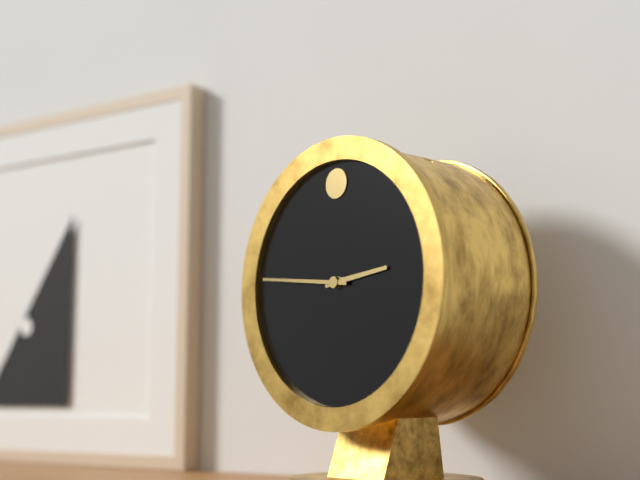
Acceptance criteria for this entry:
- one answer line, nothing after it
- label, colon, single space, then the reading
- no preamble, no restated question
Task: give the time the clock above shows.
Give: 2:46
